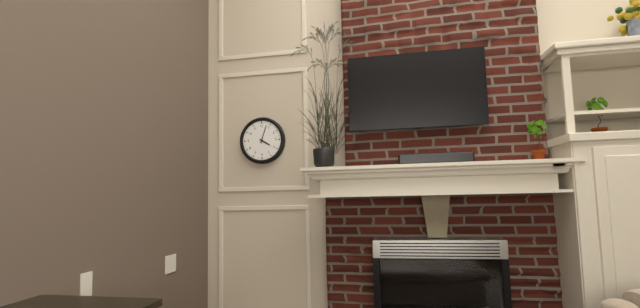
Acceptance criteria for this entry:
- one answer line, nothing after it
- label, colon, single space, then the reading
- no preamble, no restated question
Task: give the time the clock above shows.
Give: 4:03
